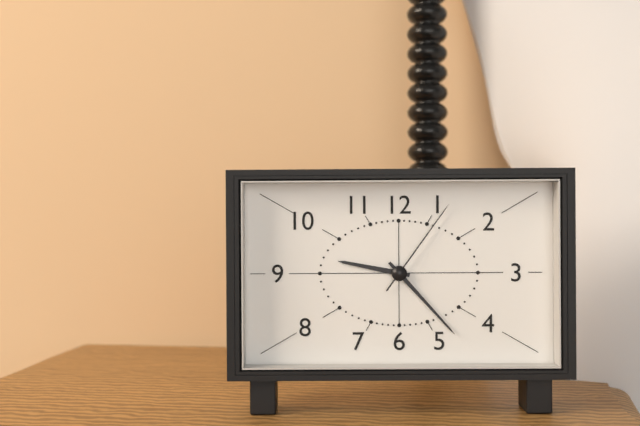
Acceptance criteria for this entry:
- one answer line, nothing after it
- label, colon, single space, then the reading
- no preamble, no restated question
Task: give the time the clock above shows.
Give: 9:23:06
